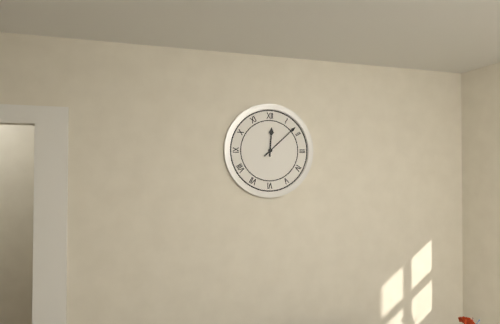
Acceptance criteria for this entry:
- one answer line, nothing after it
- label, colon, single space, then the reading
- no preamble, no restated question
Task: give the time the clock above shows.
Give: 12:08
